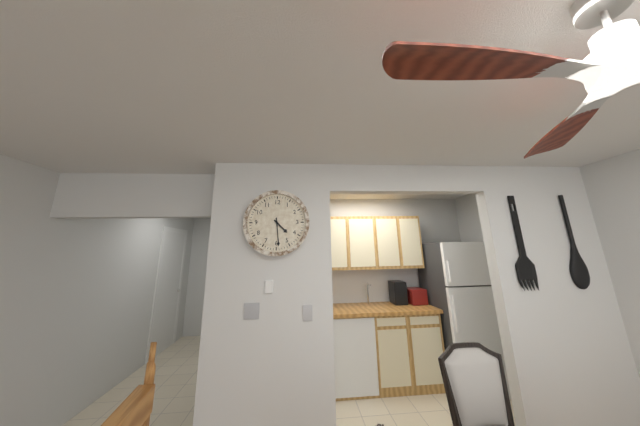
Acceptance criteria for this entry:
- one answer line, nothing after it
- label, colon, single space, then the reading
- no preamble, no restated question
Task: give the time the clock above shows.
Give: 4:29
